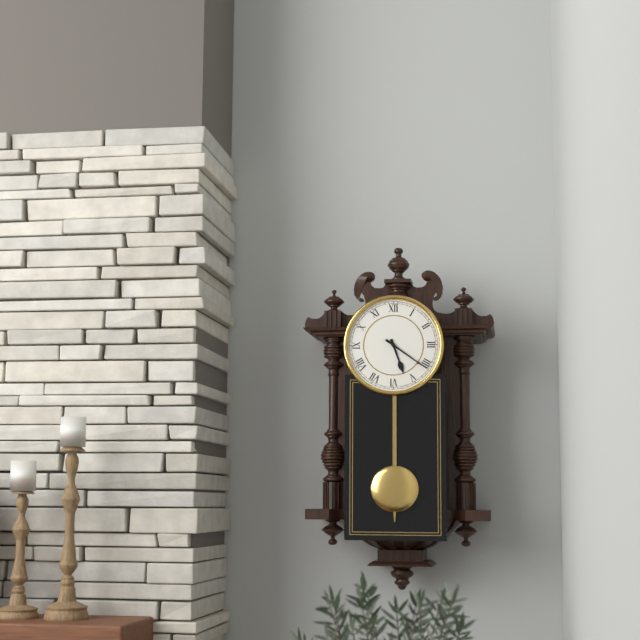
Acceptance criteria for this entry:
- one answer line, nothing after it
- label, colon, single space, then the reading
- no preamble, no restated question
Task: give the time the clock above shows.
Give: 5:21
